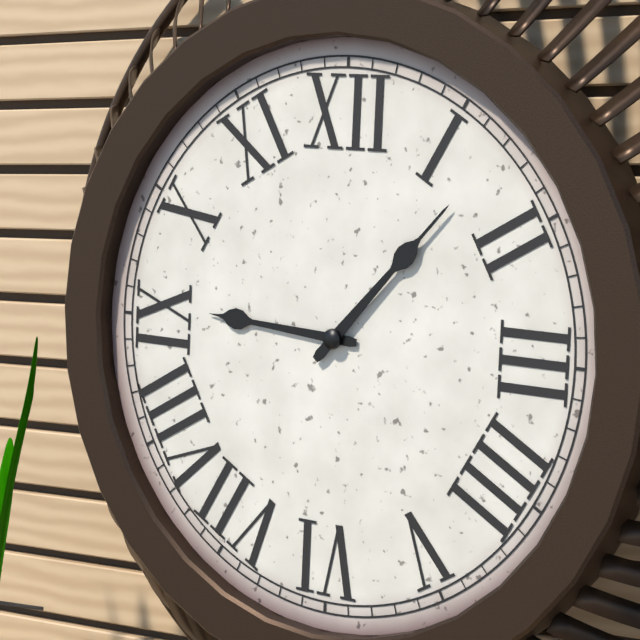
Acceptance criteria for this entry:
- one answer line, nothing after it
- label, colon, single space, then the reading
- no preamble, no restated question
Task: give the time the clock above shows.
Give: 9:07
